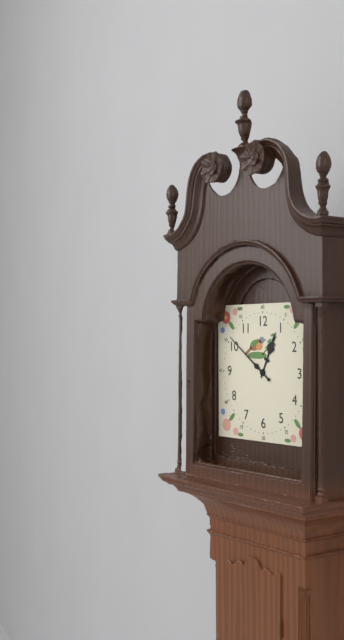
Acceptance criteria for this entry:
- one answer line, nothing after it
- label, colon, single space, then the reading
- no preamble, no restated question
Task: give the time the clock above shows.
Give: 12:51
